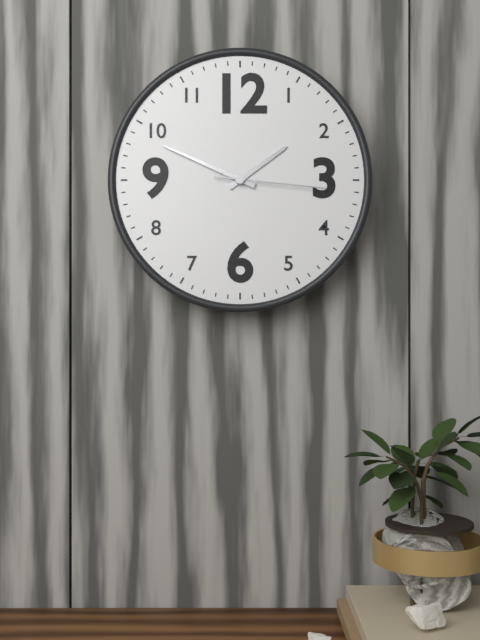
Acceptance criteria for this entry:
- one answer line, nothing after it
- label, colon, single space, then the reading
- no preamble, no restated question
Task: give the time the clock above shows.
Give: 1:49:16
